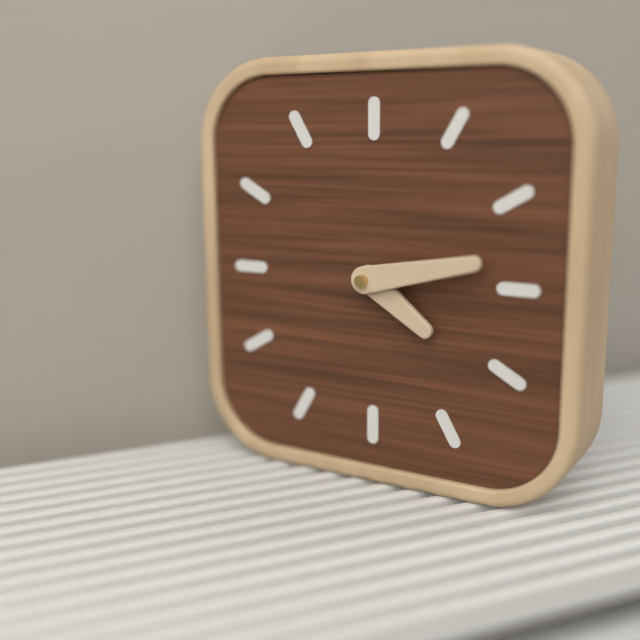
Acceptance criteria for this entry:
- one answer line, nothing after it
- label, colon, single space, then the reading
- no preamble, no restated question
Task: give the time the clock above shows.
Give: 4:13
